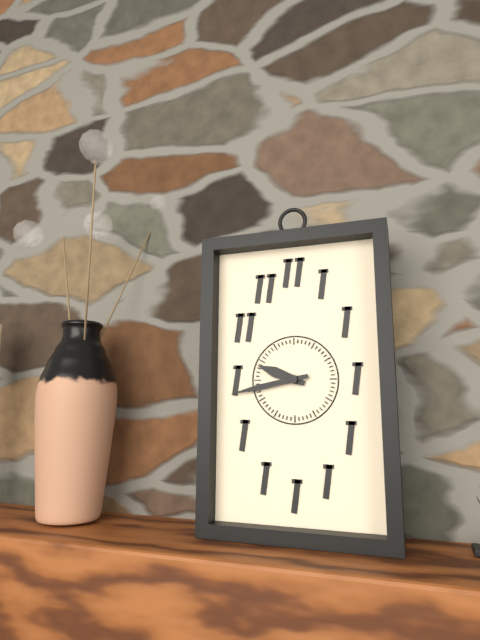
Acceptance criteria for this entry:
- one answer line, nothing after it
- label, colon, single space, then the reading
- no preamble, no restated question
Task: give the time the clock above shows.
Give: 9:43
